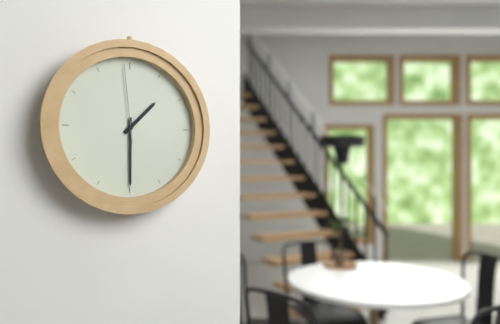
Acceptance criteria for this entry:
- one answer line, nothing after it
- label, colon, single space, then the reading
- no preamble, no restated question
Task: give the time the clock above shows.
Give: 1:30:59
